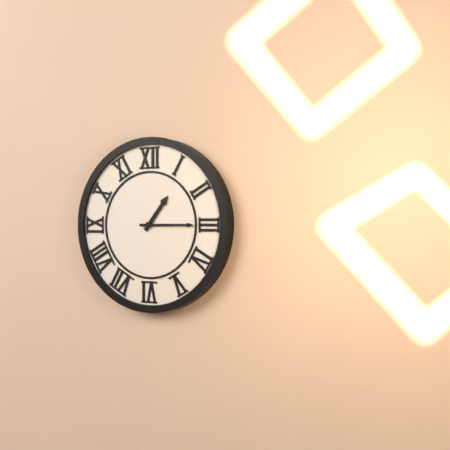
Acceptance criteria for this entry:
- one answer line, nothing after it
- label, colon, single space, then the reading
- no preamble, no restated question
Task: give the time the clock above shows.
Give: 1:15
